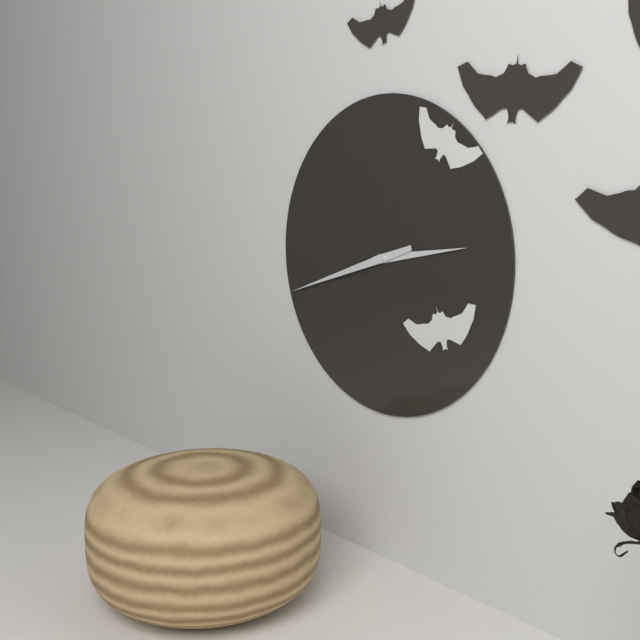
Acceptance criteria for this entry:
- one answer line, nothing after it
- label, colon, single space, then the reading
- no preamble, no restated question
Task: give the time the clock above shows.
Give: 2:42
